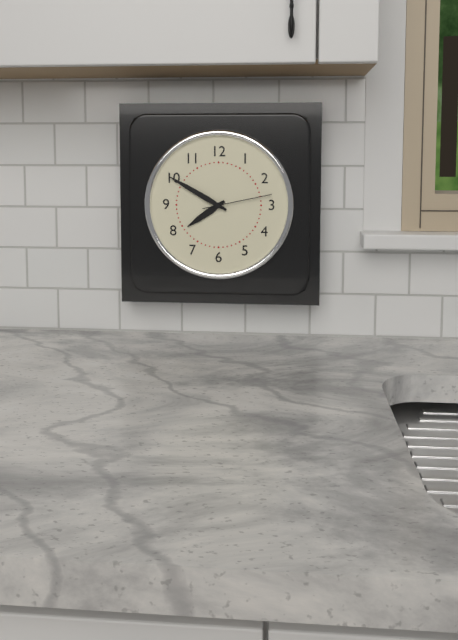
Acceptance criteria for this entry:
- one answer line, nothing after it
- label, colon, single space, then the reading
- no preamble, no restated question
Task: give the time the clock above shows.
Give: 7:50:13
